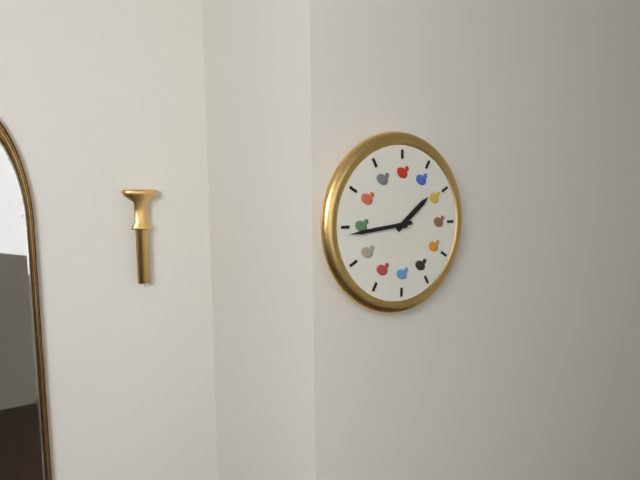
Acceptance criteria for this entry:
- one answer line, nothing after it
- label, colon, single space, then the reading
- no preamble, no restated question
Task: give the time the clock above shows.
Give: 1:44
